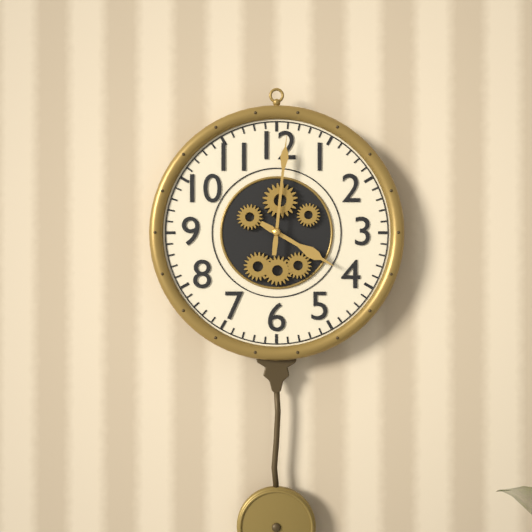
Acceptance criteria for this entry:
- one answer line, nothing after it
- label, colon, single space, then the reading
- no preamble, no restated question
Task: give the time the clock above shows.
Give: 4:01
